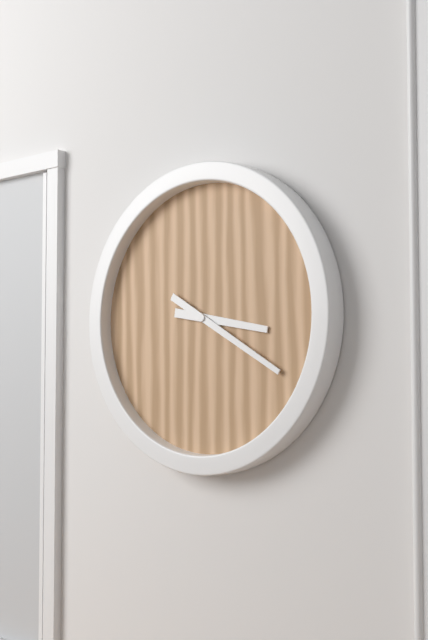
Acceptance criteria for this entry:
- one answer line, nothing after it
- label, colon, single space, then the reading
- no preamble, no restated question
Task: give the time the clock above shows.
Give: 3:20
